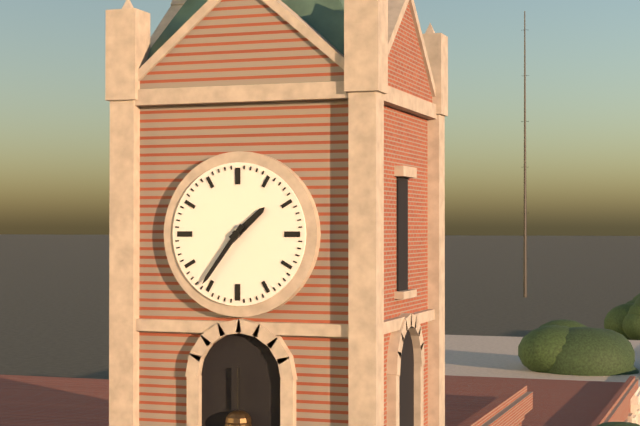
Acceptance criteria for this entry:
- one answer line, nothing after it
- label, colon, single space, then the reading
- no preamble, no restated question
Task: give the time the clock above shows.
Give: 1:36
